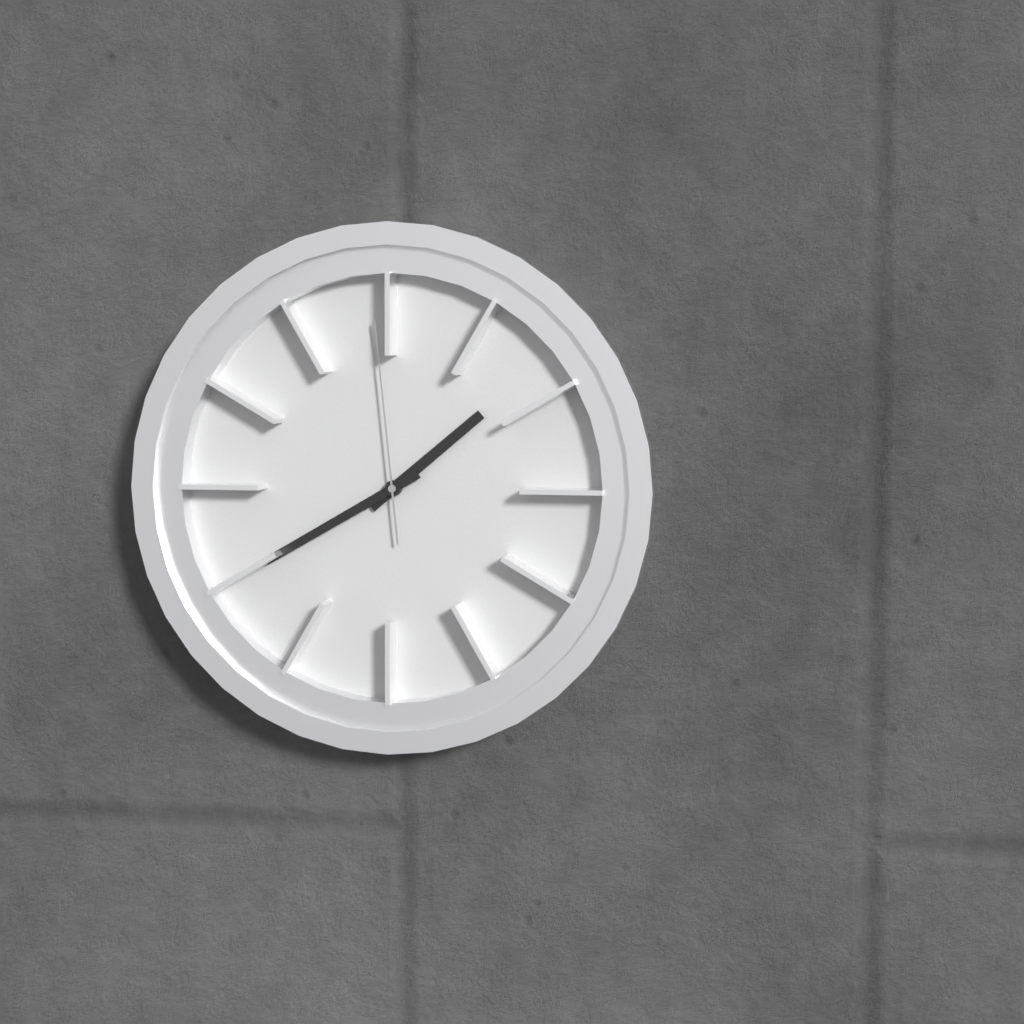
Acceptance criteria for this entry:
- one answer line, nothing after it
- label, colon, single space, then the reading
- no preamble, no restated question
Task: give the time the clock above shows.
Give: 1:40:59
